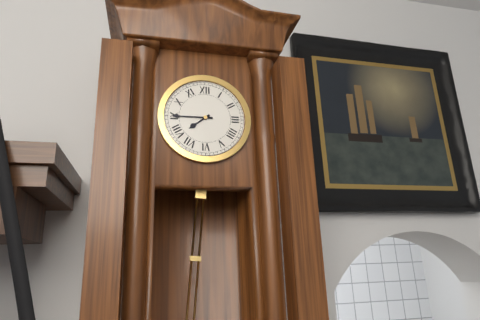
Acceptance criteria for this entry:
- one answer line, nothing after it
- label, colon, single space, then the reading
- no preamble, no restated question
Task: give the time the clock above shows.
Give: 7:45
